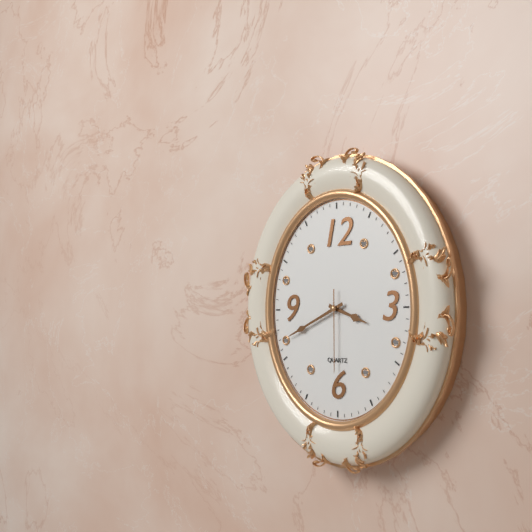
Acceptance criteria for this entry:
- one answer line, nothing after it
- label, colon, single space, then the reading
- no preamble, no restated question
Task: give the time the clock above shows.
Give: 3:41:30
